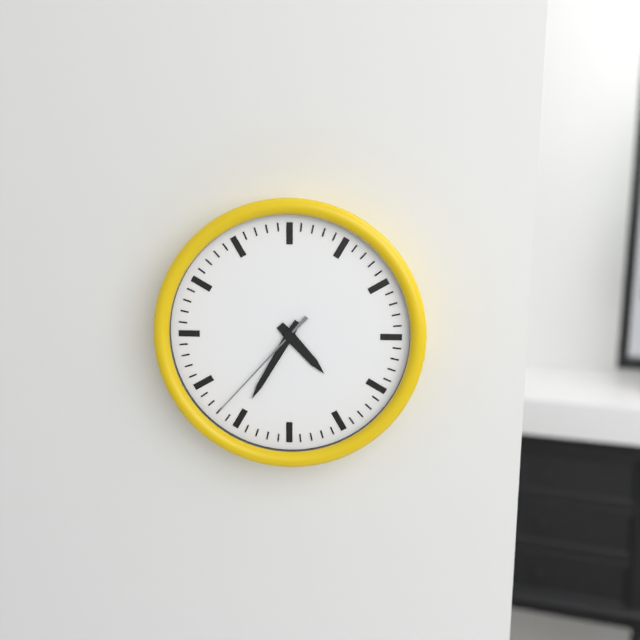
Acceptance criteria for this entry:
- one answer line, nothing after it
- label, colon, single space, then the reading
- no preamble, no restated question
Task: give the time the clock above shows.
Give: 4:35:37
